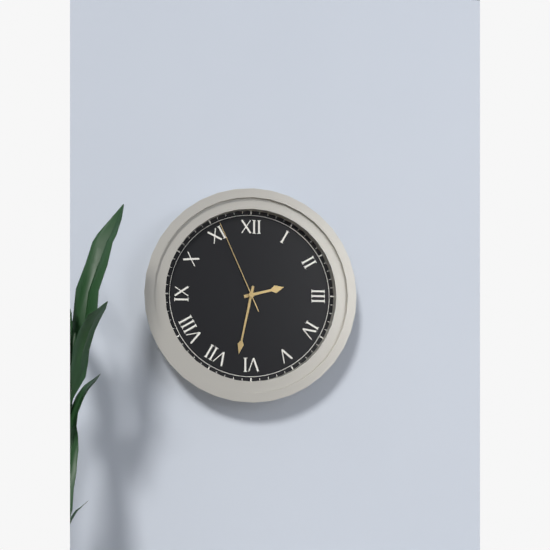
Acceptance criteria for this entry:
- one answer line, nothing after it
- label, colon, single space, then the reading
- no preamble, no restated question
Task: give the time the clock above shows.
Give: 2:32:56
